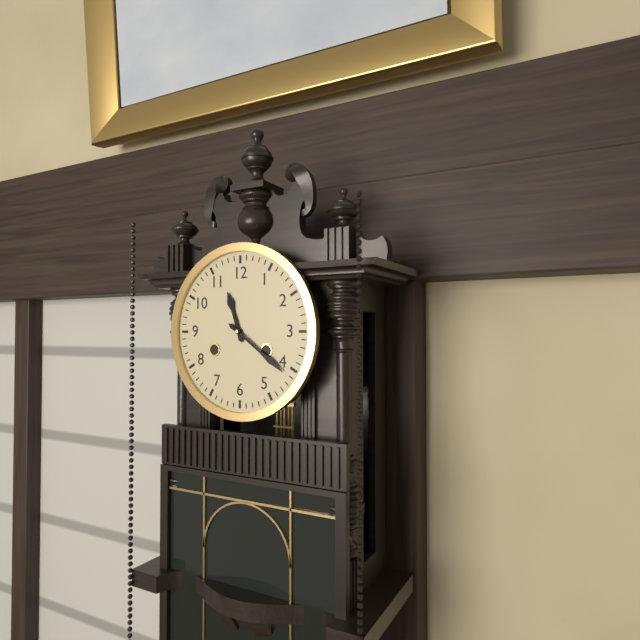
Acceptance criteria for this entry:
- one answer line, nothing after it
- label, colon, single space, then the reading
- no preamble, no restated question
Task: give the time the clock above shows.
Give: 11:21
